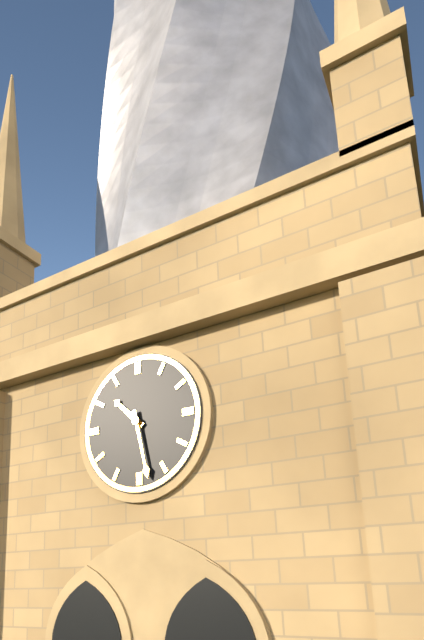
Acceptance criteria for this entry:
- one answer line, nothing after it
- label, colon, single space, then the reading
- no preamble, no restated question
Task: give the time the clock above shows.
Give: 10:28
